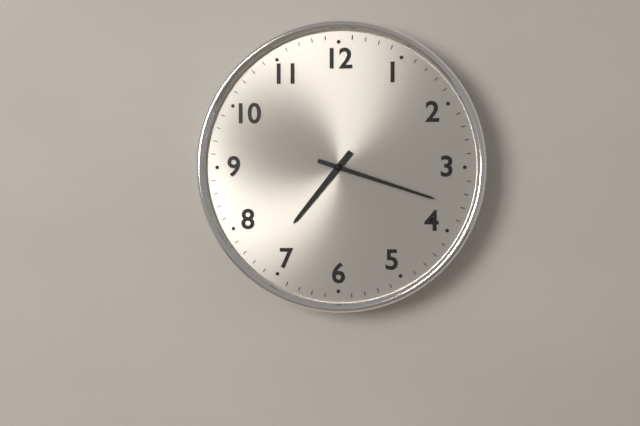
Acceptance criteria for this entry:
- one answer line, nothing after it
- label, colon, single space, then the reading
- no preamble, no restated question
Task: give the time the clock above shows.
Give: 7:18
